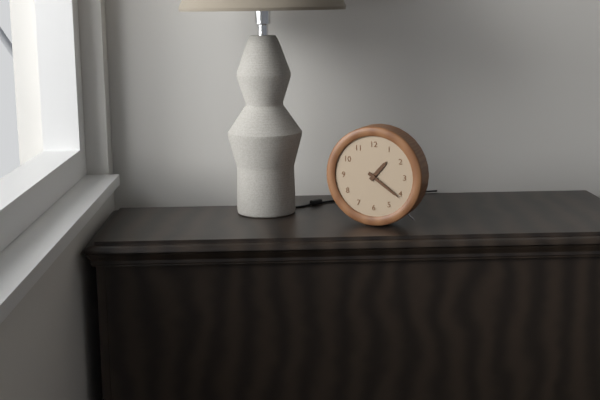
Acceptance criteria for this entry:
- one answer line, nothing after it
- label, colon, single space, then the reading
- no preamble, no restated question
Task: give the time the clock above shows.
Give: 1:21
